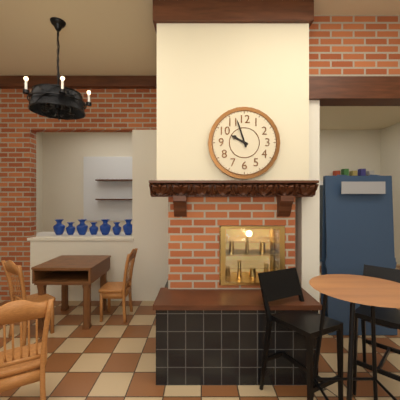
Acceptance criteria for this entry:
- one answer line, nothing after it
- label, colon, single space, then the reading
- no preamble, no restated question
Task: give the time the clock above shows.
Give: 9:57
